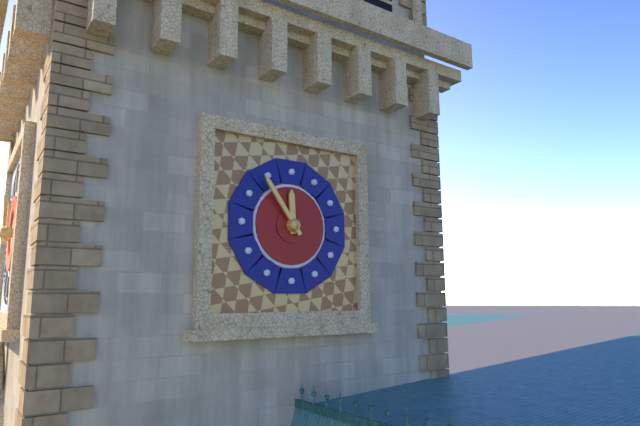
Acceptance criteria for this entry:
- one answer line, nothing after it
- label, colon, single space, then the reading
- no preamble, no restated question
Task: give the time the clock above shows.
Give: 11:54
